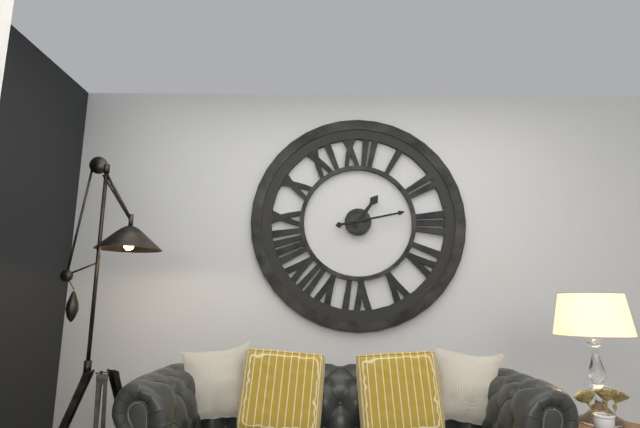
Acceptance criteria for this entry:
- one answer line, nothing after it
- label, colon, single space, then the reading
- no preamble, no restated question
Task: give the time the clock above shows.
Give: 1:13
